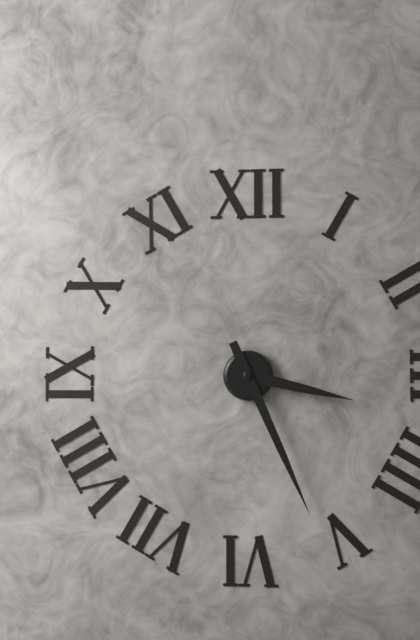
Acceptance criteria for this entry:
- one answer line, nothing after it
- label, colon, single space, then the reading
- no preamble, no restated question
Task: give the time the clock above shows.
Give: 3:26
